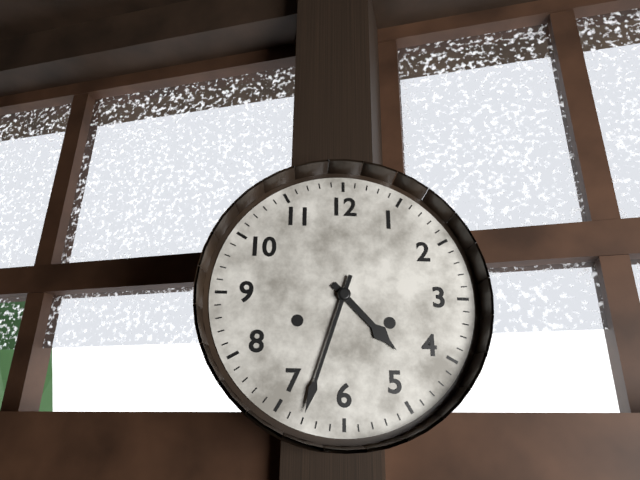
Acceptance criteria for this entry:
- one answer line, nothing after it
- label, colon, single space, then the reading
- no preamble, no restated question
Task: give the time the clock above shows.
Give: 4:33
